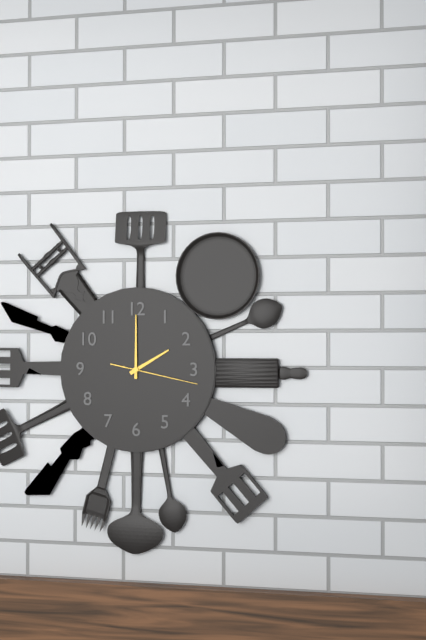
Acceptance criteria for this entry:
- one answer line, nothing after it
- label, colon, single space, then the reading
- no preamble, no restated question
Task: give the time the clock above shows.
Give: 2:00:17
